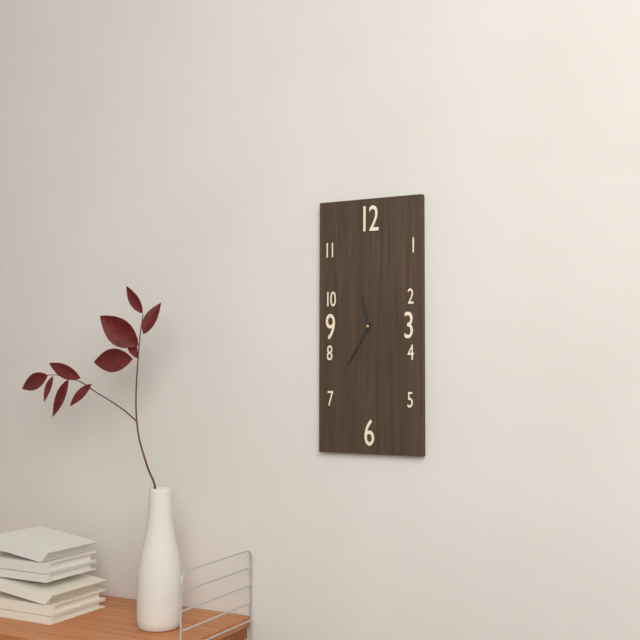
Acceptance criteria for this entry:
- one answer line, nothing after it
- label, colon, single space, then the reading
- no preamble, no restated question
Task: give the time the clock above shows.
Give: 11:35
